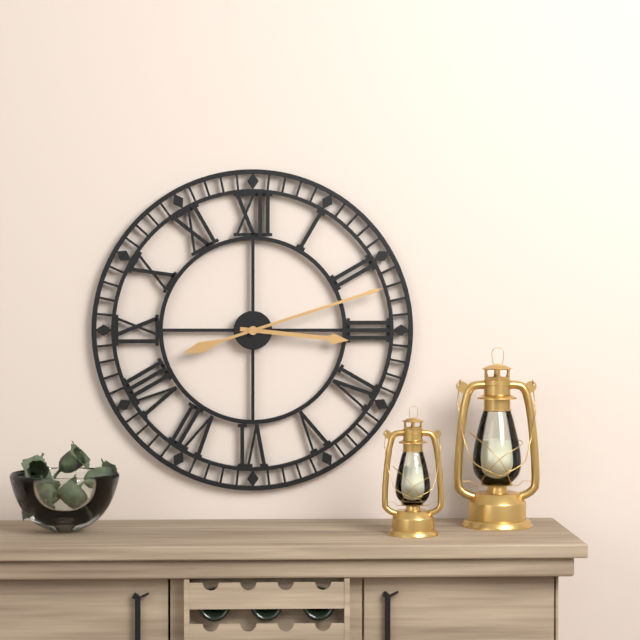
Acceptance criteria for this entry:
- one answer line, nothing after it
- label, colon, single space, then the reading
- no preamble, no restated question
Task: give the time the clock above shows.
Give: 3:12
